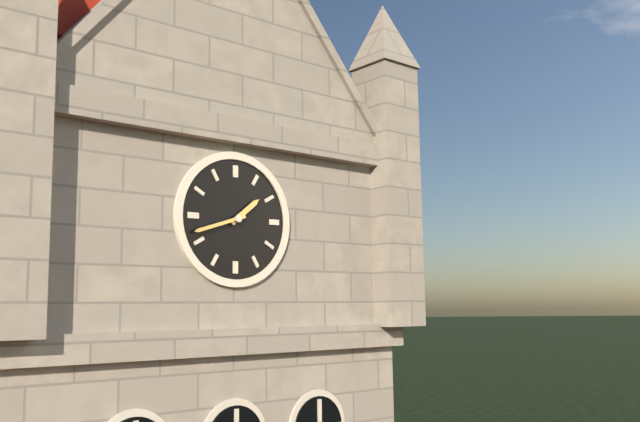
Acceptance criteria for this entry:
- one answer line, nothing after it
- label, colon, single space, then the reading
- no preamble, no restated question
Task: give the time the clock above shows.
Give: 1:42
